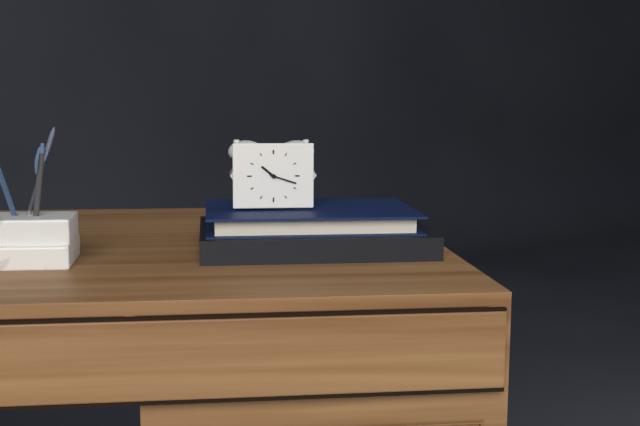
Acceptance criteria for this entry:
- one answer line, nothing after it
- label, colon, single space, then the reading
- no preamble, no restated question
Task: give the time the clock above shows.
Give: 10:18
